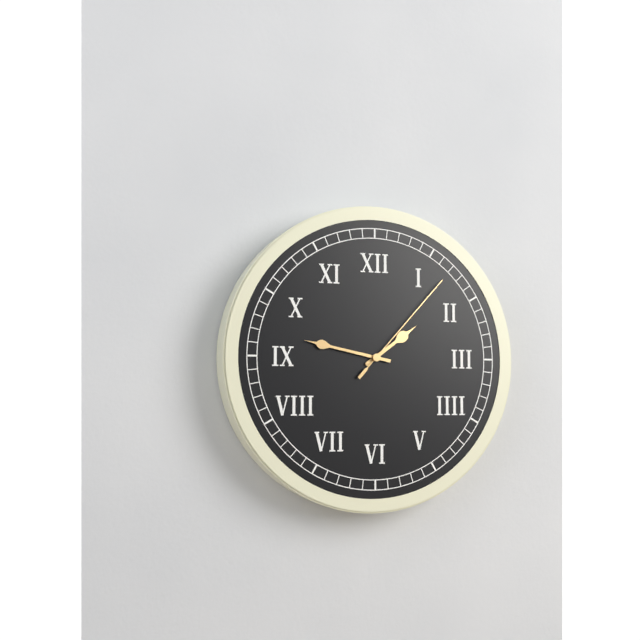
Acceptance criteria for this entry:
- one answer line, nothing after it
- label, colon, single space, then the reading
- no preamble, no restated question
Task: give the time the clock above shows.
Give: 1:47:07
